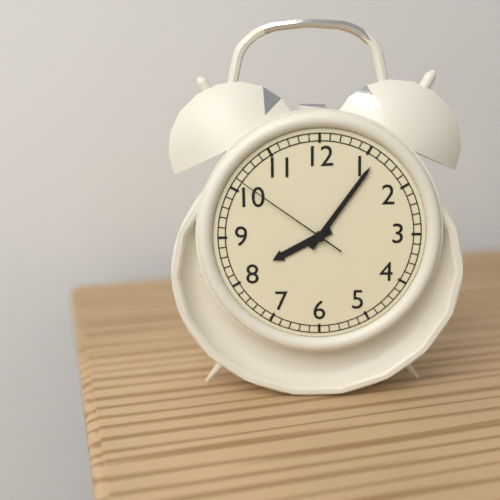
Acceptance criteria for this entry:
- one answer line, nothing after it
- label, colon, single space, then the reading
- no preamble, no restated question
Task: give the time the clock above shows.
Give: 8:06:51
